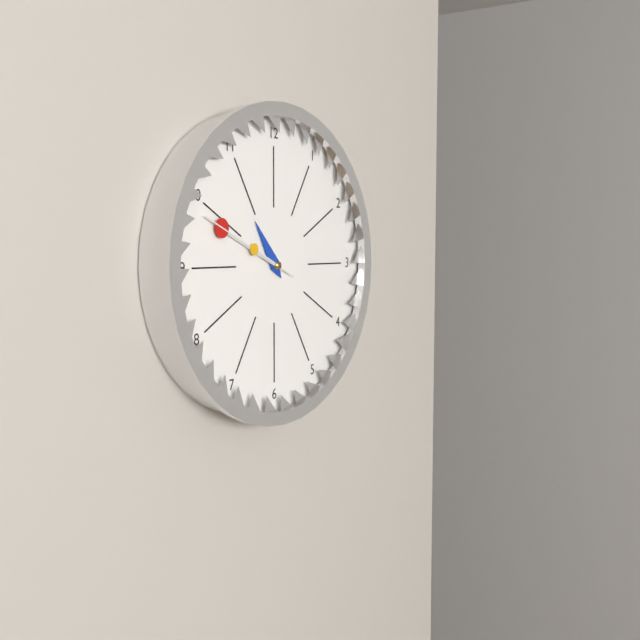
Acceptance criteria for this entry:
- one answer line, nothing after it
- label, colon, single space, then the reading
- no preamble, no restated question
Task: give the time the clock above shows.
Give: 10:49:49
